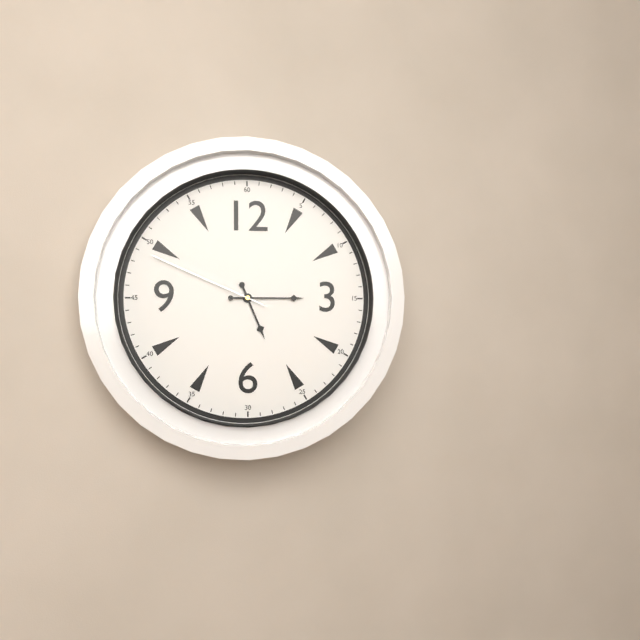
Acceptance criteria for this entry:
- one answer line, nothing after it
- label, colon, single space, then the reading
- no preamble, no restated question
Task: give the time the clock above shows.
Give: 5:15:49
